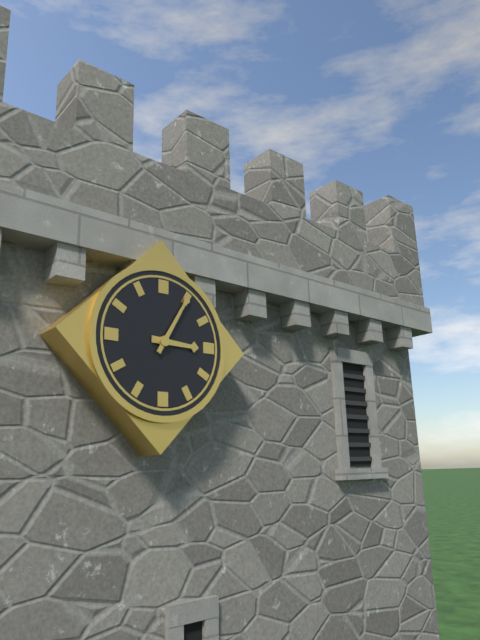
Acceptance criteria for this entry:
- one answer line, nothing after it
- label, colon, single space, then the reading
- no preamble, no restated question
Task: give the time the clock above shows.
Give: 3:05
